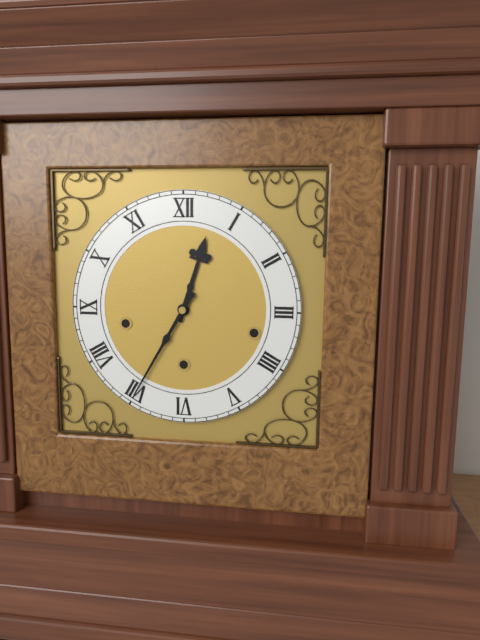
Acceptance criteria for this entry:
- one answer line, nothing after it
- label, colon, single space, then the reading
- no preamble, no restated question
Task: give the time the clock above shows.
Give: 12:35
